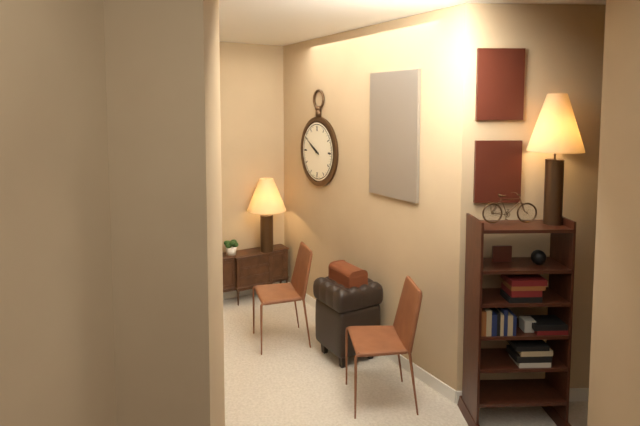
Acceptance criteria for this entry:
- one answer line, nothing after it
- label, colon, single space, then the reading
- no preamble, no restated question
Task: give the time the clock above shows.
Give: 9:50
